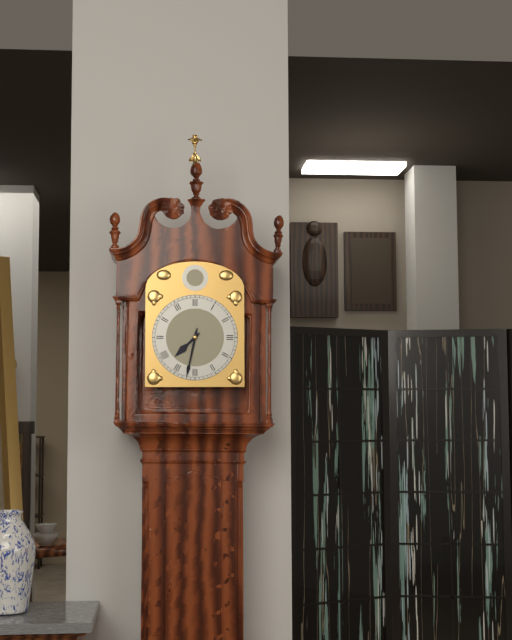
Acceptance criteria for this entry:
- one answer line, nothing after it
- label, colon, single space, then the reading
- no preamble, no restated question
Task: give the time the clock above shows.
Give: 7:32
